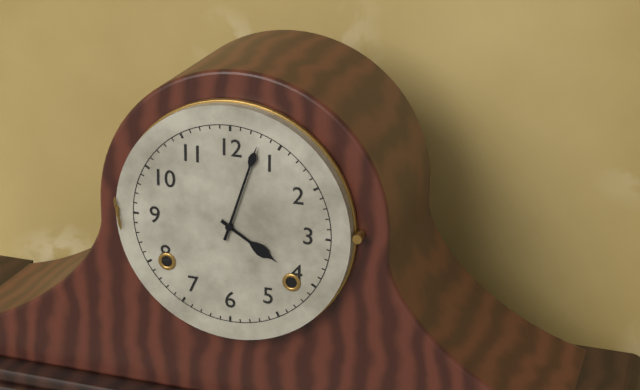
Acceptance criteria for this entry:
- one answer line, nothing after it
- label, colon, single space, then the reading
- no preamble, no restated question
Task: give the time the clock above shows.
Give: 4:03
